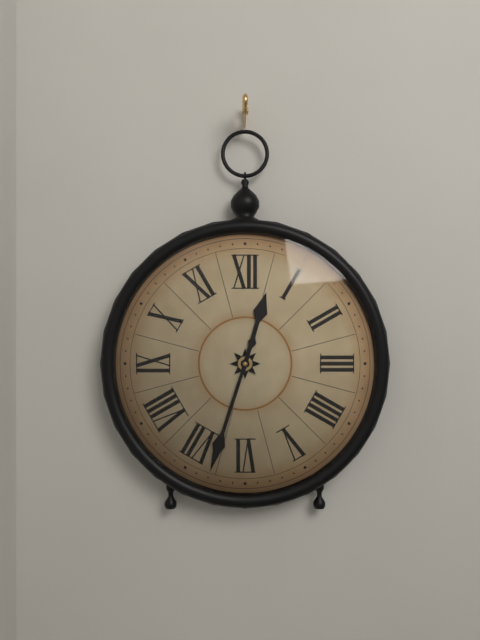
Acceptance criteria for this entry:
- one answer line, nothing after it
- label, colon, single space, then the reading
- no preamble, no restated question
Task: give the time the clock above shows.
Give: 12:33
